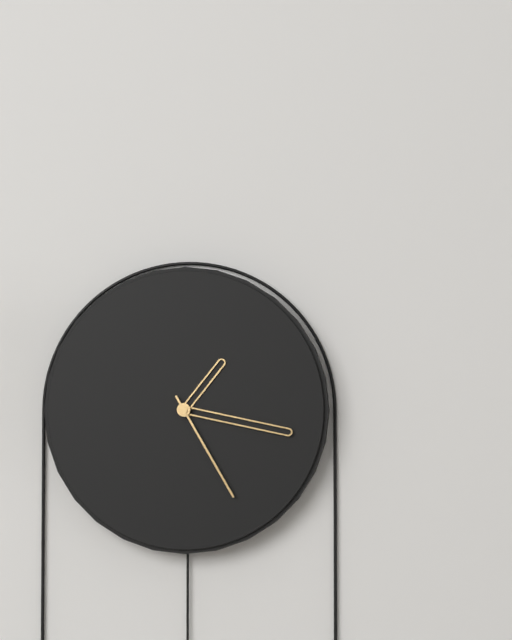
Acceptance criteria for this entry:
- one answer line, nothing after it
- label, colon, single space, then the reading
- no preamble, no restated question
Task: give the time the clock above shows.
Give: 1:17:25
